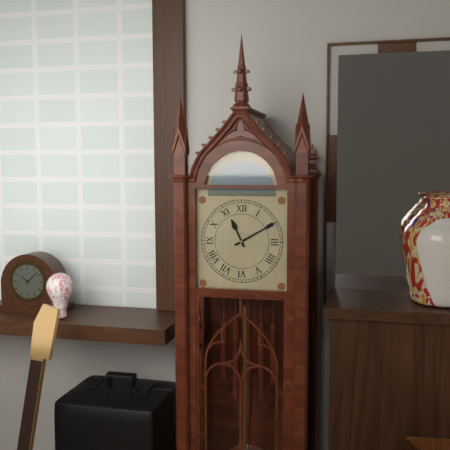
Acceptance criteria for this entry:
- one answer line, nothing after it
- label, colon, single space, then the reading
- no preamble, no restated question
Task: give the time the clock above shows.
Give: 11:10
